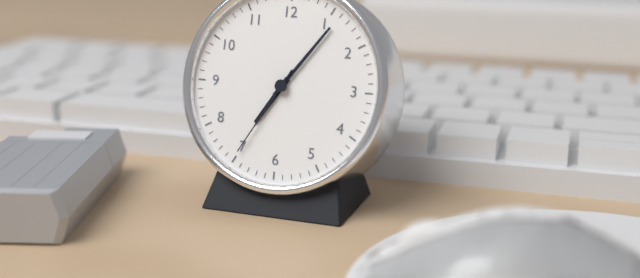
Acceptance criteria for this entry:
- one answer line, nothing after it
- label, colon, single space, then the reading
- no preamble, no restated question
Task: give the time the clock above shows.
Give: 7:06:35
